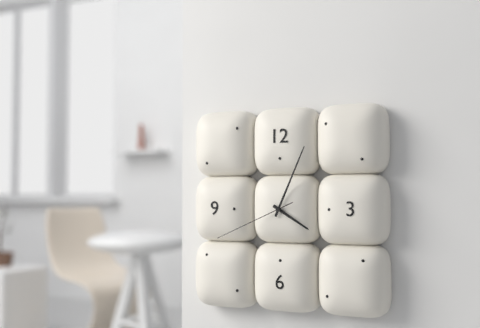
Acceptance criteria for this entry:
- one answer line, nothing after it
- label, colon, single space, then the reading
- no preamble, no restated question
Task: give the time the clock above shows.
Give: 4:04:41
